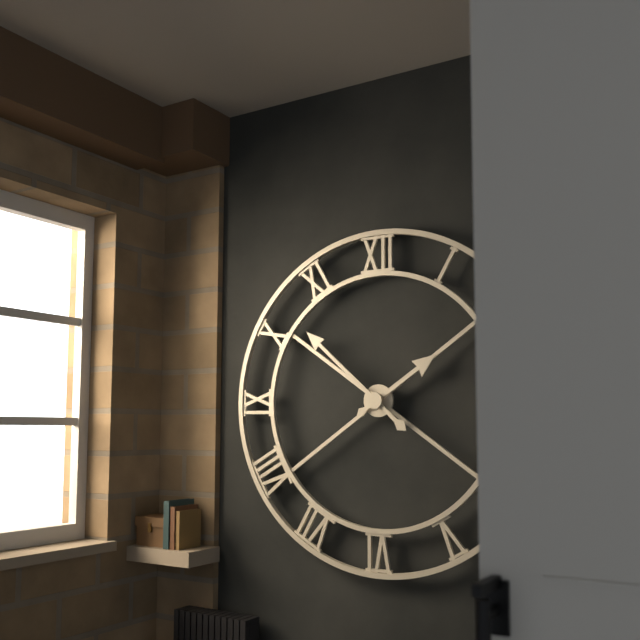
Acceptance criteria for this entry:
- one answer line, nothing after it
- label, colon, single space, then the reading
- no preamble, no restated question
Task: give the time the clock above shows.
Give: 1:52
